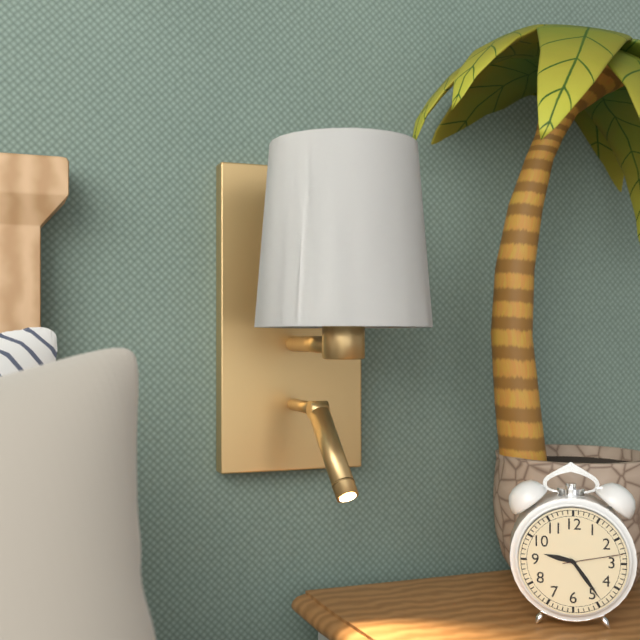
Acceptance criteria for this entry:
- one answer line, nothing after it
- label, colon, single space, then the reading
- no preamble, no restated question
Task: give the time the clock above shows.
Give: 9:24:13
